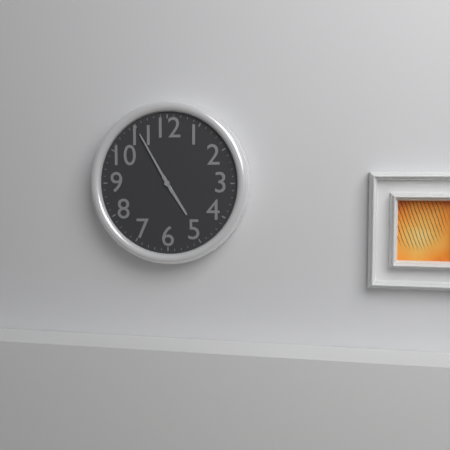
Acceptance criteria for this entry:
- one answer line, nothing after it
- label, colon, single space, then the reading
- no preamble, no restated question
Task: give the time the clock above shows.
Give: 4:55
